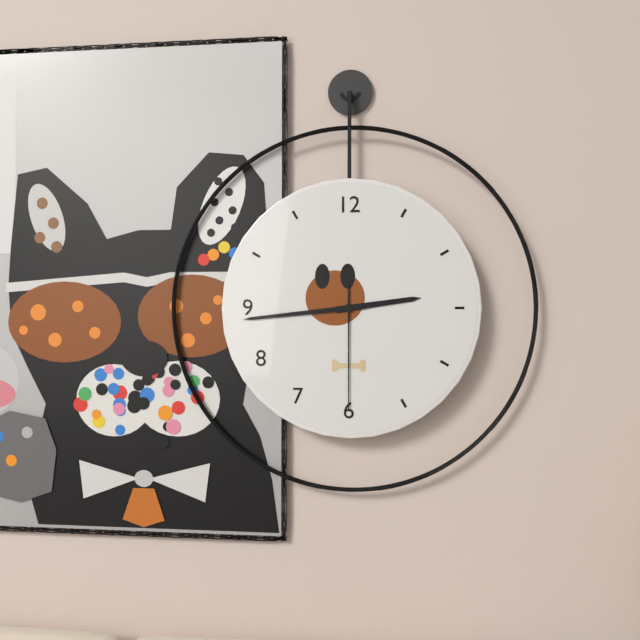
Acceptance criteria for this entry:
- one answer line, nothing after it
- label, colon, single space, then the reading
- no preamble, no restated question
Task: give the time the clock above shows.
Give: 2:44:30
